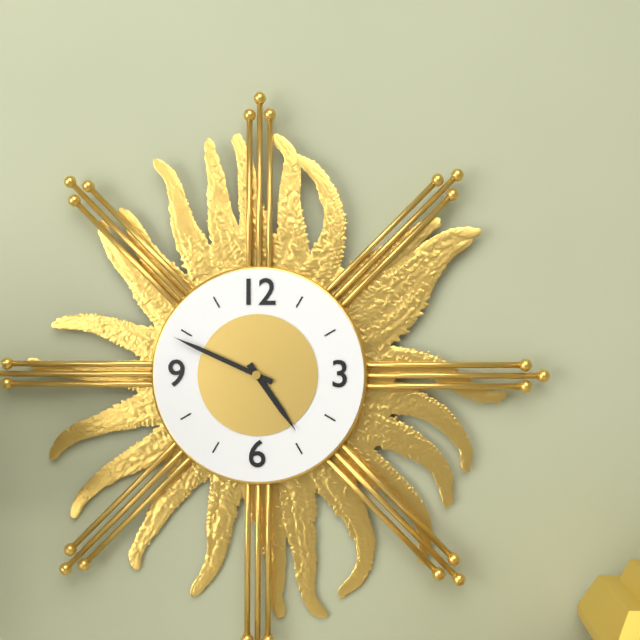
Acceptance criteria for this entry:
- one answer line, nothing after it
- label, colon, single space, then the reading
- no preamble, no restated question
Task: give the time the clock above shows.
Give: 4:49
